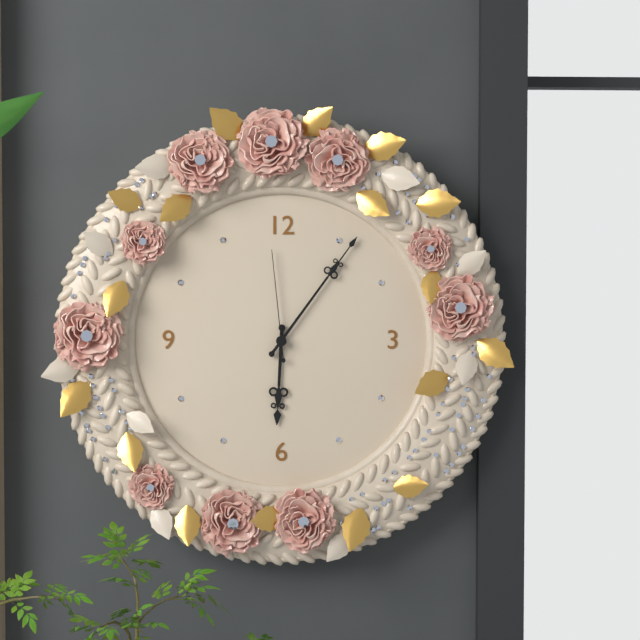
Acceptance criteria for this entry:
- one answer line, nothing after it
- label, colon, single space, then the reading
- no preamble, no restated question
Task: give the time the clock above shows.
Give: 6:06:59
